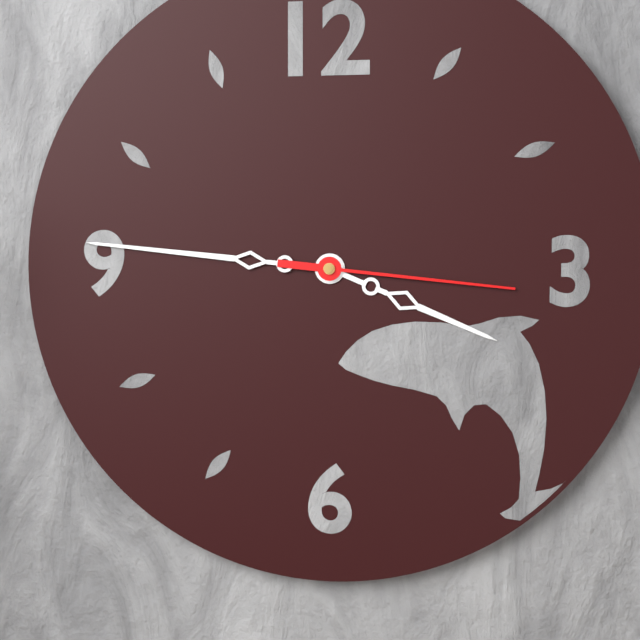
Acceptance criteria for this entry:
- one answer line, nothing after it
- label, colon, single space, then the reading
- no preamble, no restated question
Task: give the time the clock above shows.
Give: 3:46:16
